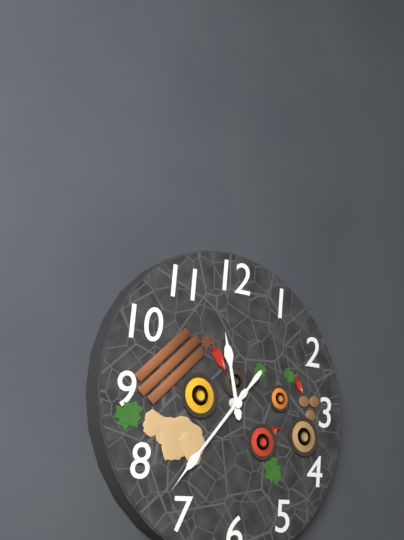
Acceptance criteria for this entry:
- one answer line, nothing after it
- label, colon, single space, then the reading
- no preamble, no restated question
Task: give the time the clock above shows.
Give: 11:37:37
